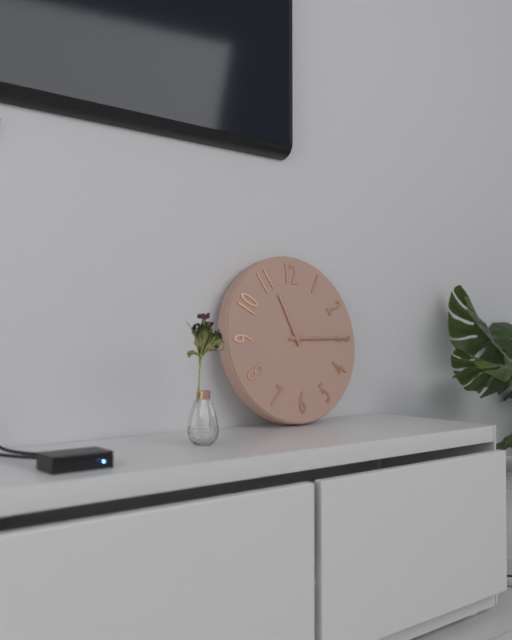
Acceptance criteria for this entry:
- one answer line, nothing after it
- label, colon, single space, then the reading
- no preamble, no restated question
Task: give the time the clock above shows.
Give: 11:15
